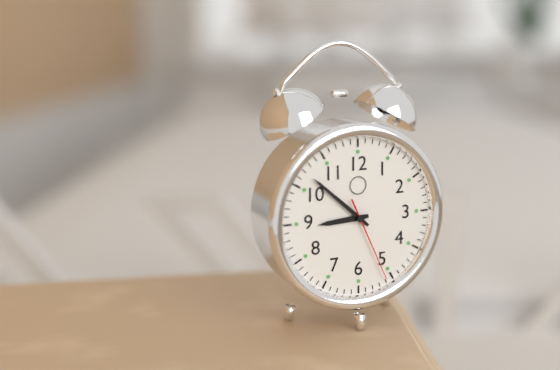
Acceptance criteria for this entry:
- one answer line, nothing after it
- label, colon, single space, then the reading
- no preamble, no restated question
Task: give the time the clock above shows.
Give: 8:52:26
